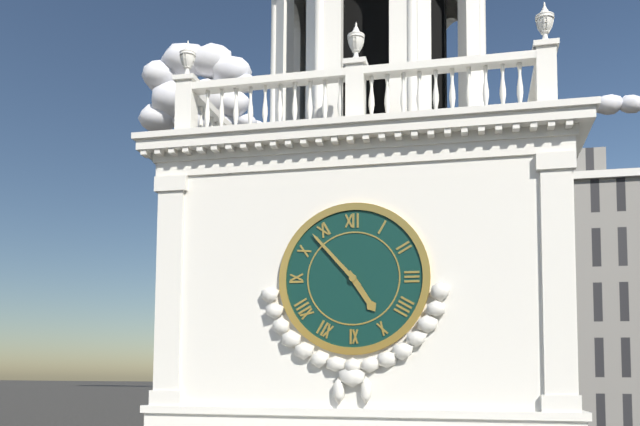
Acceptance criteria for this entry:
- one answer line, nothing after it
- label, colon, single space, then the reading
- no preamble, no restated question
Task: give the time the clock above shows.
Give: 4:53
